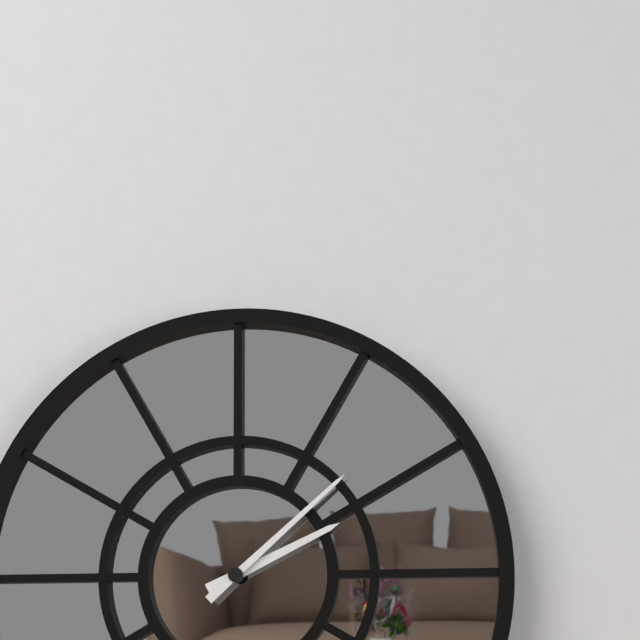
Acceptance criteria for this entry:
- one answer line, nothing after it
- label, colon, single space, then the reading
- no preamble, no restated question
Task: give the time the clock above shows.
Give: 2:08
